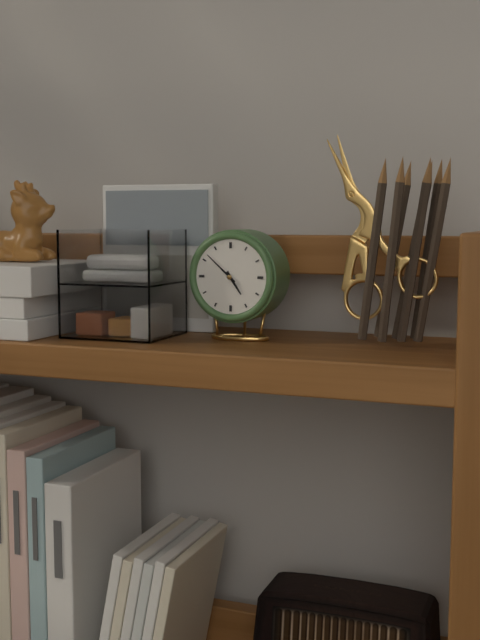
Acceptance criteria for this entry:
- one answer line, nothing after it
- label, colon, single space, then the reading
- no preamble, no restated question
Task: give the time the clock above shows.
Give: 4:52
